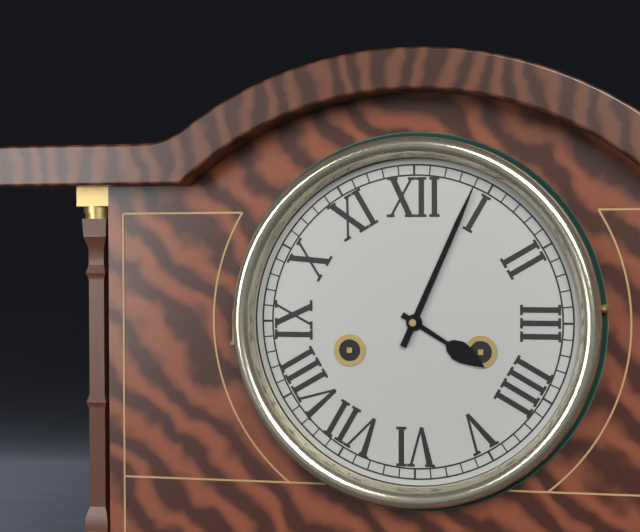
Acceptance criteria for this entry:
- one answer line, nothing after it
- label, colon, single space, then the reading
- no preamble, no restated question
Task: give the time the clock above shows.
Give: 4:04
